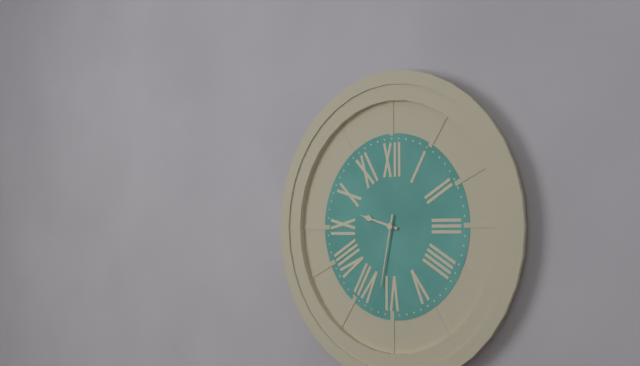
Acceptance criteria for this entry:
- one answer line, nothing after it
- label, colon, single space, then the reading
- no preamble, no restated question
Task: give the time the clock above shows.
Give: 9:32
